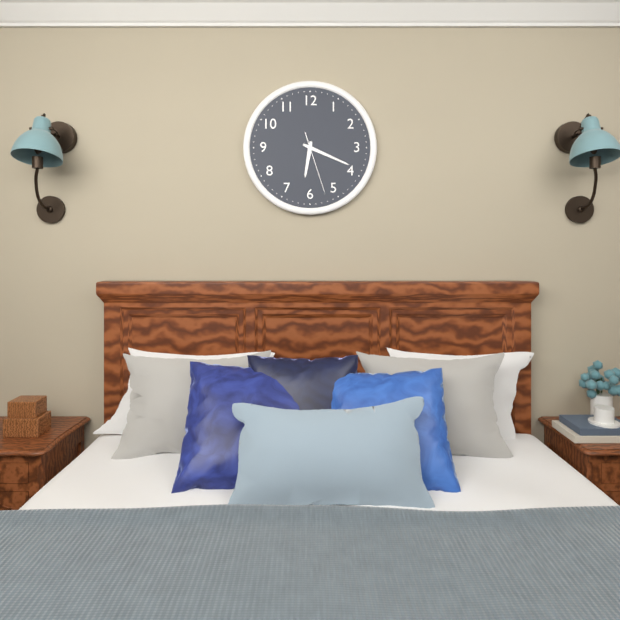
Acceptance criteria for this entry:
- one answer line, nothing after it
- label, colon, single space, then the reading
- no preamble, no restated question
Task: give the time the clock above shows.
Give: 6:19:27
